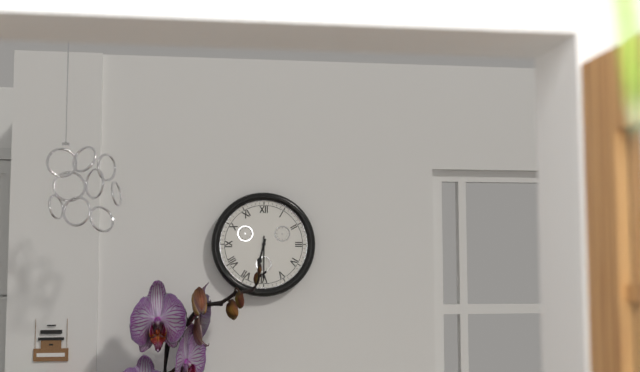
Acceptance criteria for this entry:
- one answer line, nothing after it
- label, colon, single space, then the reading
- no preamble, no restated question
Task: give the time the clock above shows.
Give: 6:30
